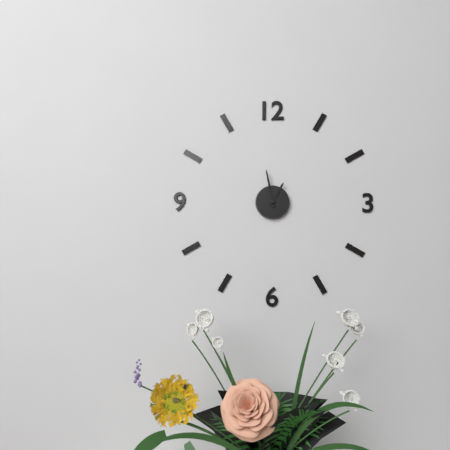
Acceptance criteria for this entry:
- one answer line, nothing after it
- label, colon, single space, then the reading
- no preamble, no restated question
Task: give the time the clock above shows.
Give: 12:58
